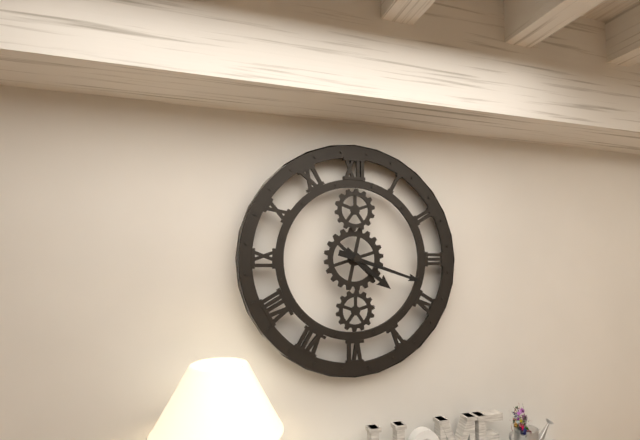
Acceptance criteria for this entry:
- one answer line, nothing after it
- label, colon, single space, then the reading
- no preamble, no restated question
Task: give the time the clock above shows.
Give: 4:18
